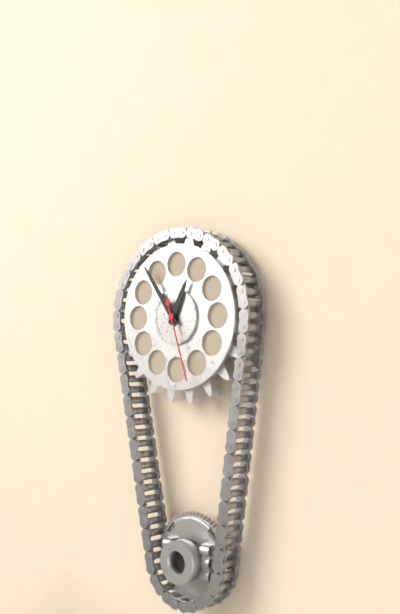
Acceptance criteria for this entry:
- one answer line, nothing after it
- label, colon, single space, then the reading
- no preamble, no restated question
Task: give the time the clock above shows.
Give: 12:54:27
